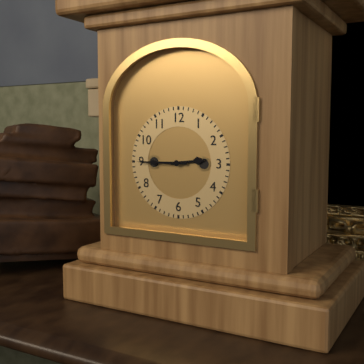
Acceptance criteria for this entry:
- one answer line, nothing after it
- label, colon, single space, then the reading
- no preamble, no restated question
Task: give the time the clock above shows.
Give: 2:45
